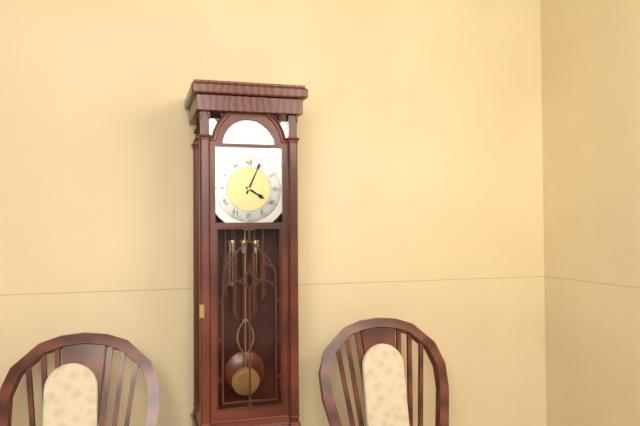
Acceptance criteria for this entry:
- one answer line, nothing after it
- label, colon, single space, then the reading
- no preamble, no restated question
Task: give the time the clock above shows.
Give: 4:04
